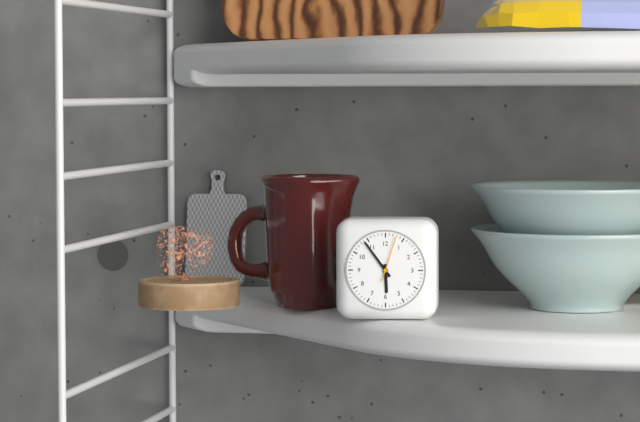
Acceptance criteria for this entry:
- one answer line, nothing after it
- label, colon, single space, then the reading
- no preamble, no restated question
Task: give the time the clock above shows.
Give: 5:54
